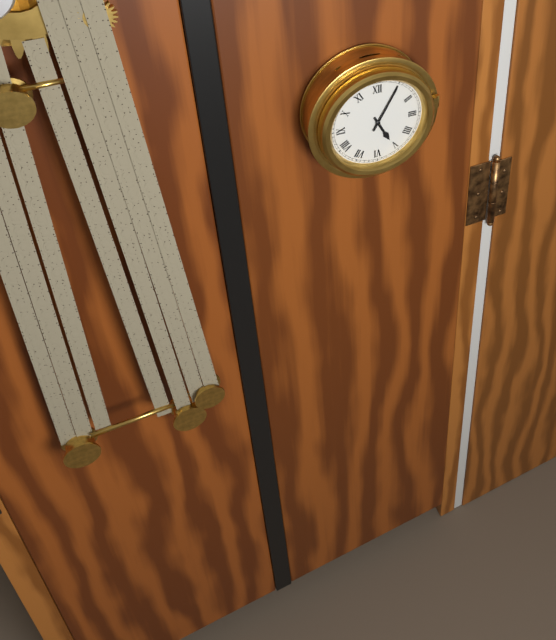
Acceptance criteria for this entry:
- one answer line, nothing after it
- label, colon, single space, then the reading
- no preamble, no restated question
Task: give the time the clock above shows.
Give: 5:05
